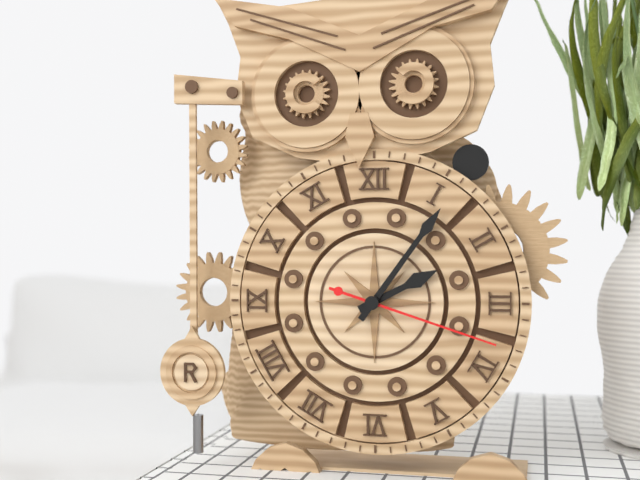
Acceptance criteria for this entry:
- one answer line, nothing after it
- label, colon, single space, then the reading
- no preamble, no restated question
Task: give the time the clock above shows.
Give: 2:06:18
